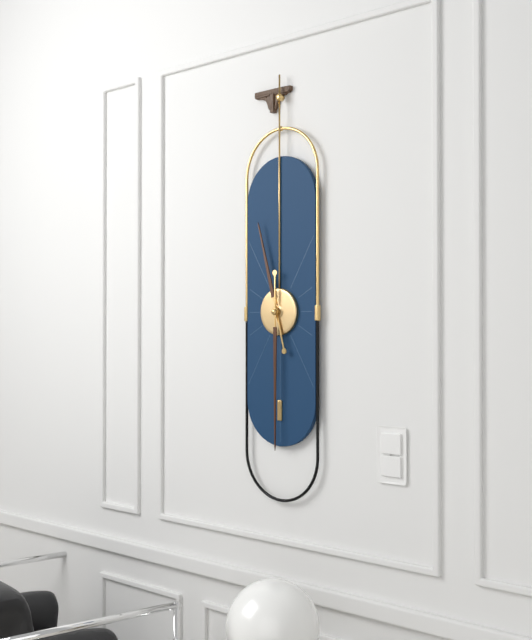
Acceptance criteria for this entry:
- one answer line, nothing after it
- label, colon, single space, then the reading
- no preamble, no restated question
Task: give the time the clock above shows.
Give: 11:30
